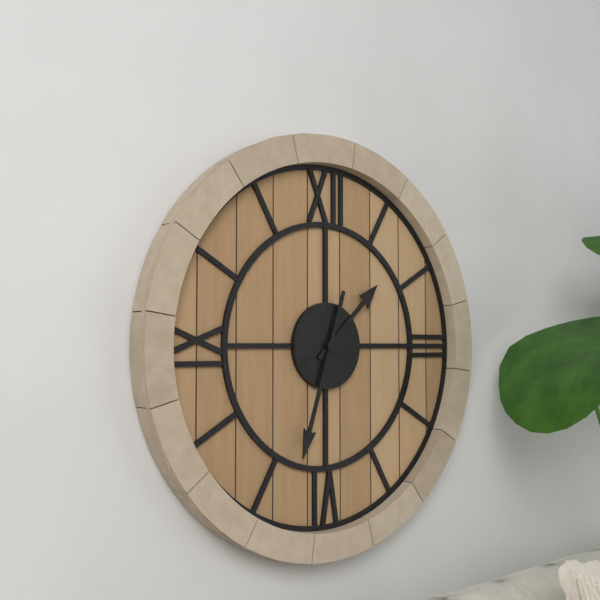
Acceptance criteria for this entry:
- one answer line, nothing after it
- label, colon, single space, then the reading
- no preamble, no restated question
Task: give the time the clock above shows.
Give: 1:33
